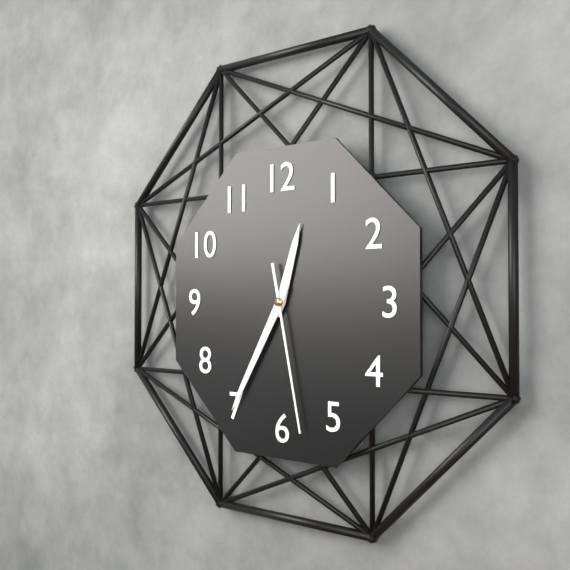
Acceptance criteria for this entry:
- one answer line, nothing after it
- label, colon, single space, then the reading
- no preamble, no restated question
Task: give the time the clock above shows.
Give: 12:35:28
